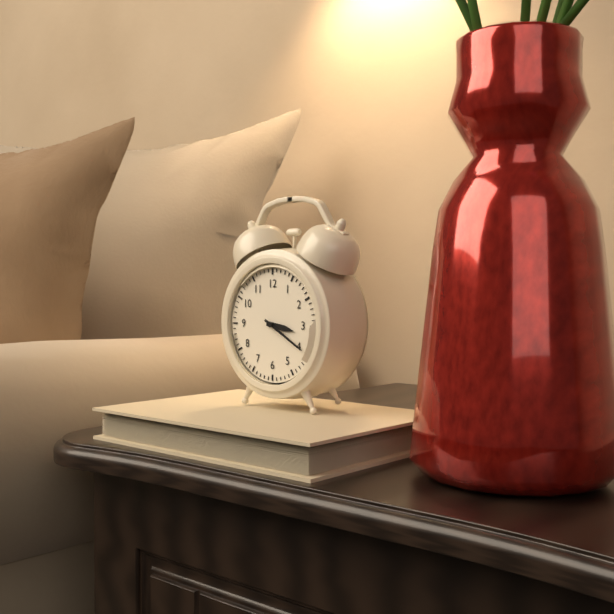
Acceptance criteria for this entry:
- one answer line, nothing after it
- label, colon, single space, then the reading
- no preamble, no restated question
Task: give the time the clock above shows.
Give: 3:20
